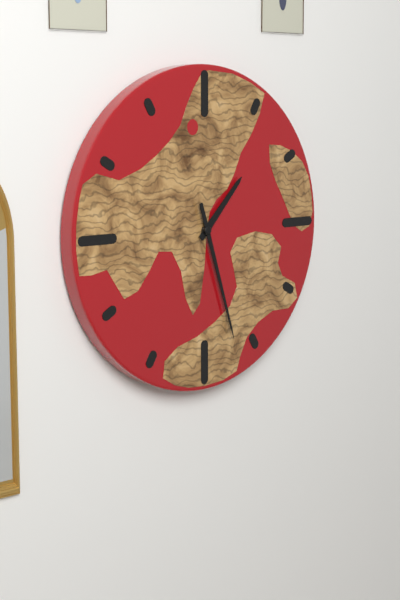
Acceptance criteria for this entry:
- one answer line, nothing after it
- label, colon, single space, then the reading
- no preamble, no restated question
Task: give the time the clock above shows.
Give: 1:27
